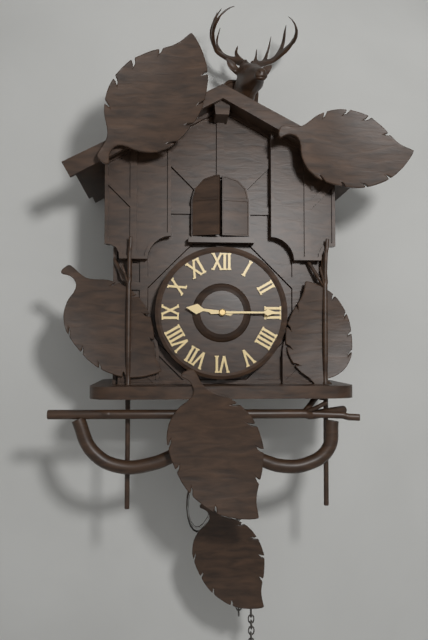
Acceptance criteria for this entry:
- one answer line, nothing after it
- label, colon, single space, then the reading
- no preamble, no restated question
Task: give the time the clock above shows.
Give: 9:15
